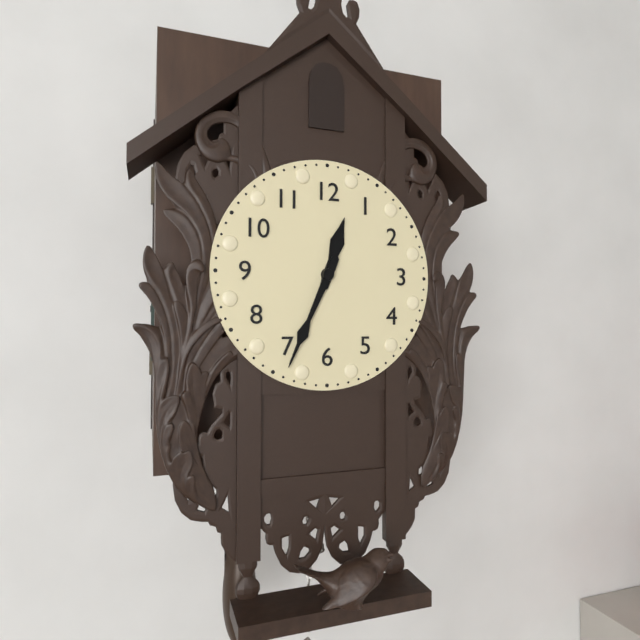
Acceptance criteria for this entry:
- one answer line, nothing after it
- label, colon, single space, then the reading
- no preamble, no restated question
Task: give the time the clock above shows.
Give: 12:34
